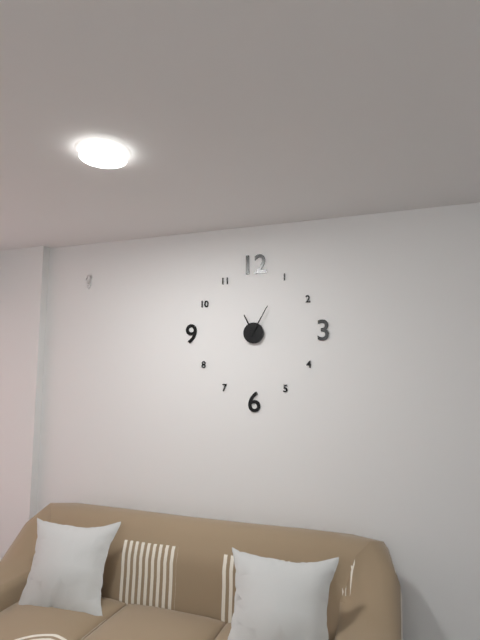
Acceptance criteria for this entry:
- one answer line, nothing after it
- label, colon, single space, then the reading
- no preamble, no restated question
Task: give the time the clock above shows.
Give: 11:05
